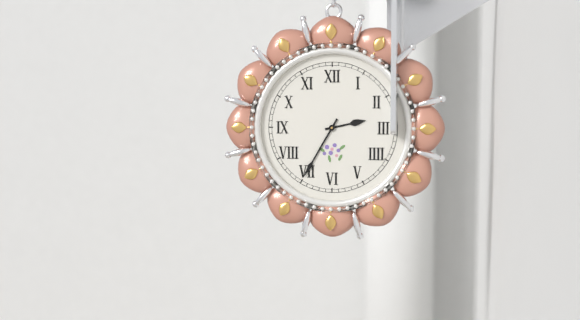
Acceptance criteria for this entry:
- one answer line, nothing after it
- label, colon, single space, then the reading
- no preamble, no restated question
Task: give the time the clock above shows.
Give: 2:35
